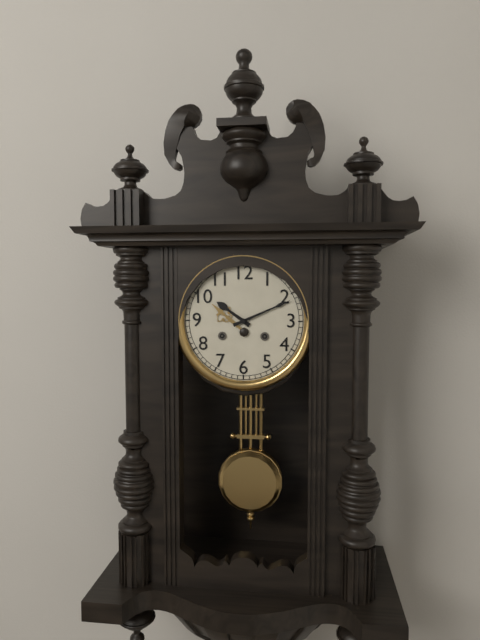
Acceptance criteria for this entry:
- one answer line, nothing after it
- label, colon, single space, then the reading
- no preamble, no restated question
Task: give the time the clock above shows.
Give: 10:11
